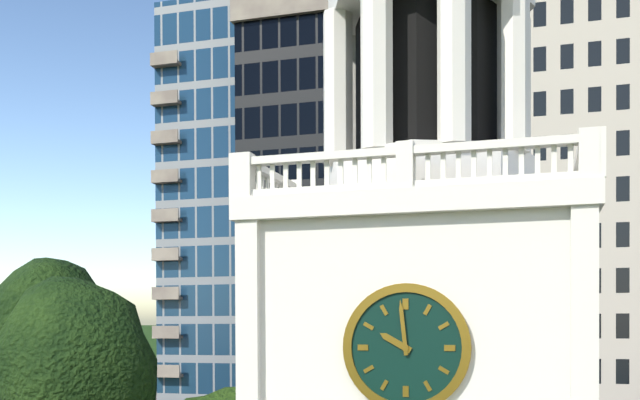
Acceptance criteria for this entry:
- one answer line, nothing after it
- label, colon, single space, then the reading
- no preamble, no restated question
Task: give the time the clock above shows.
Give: 9:59
